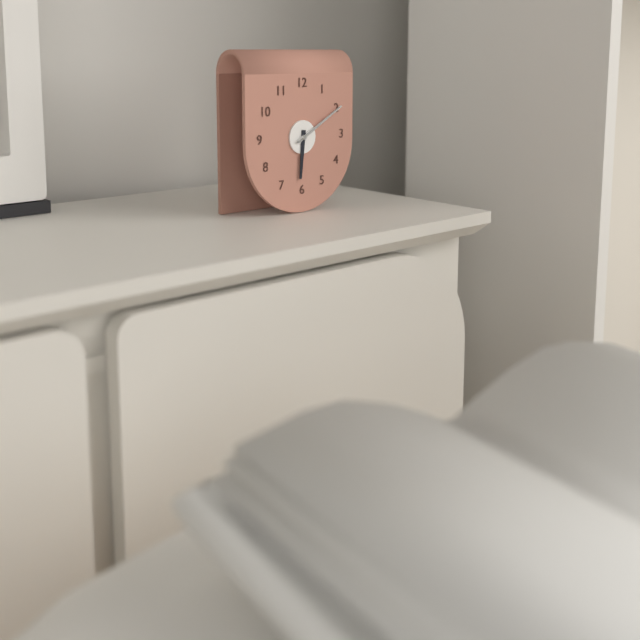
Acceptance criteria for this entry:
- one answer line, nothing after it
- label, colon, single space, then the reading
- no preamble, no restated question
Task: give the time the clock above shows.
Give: 6:10
